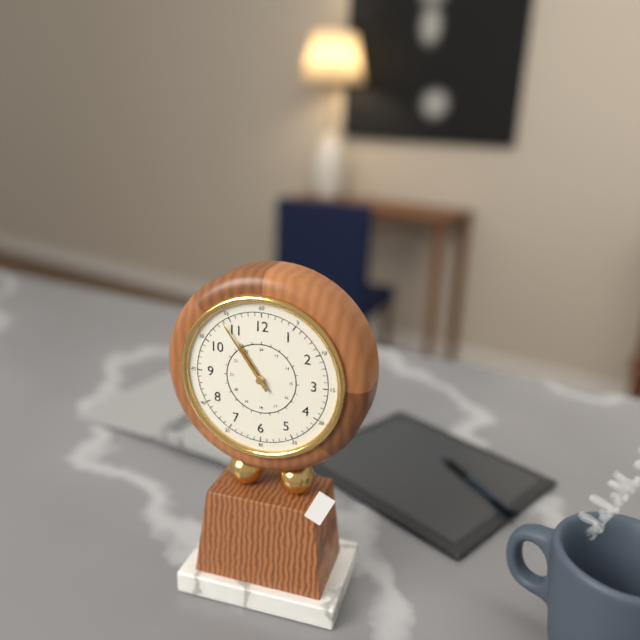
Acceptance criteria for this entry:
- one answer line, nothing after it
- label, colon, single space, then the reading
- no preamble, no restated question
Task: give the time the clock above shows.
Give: 10:54
